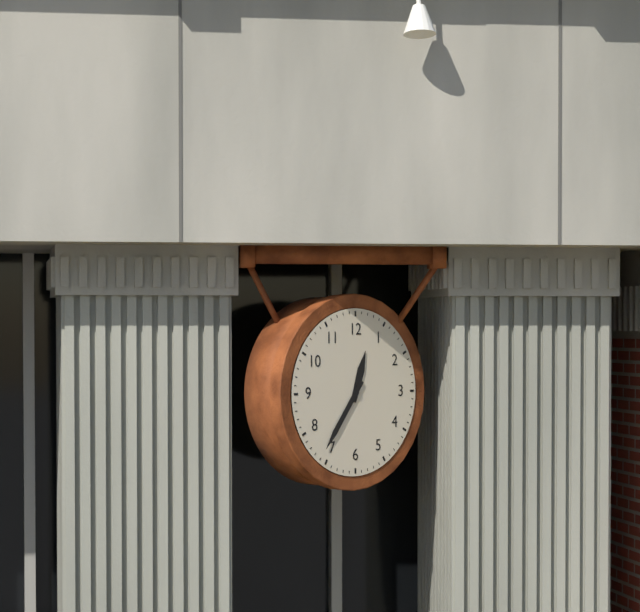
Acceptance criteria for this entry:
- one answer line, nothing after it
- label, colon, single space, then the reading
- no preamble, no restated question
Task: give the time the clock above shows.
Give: 12:36
